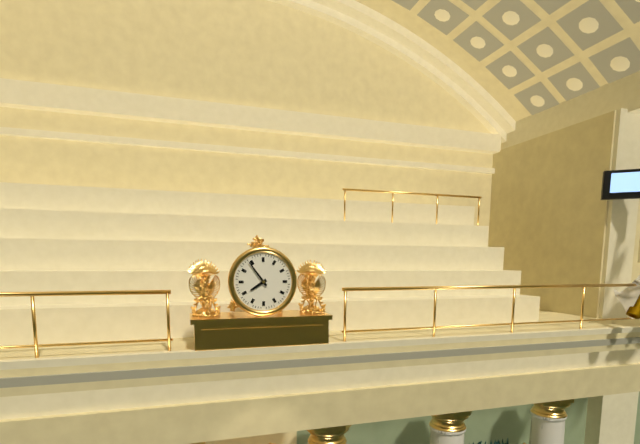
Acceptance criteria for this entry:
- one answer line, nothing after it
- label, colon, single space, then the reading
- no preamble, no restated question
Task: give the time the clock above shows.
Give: 7:54
